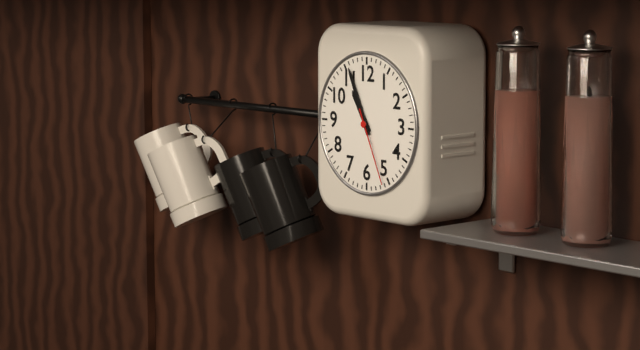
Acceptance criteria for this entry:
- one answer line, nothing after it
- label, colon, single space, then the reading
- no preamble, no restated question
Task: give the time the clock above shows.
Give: 10:56:26
